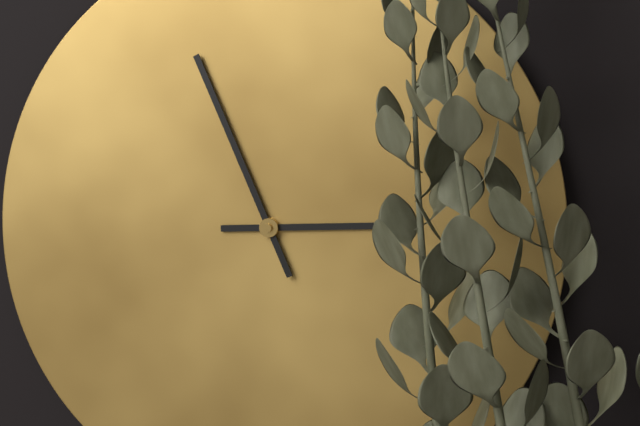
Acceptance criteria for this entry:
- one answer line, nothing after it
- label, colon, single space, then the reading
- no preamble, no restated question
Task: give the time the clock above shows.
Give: 2:56
